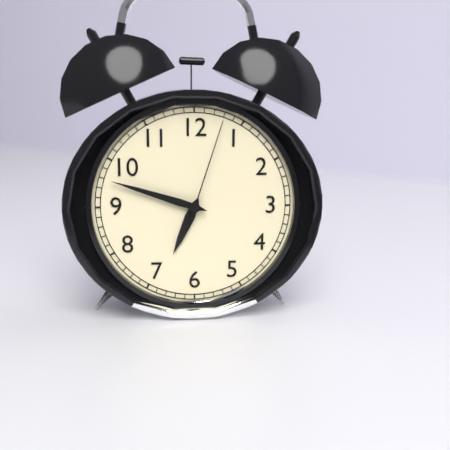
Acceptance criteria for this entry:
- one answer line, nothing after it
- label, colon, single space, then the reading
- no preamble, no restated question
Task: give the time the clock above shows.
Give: 6:48:03
